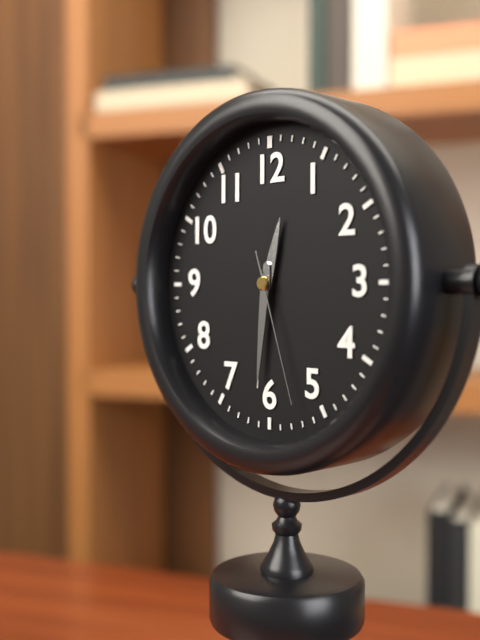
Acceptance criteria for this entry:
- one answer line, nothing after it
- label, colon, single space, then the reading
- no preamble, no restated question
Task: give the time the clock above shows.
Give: 12:31:27
